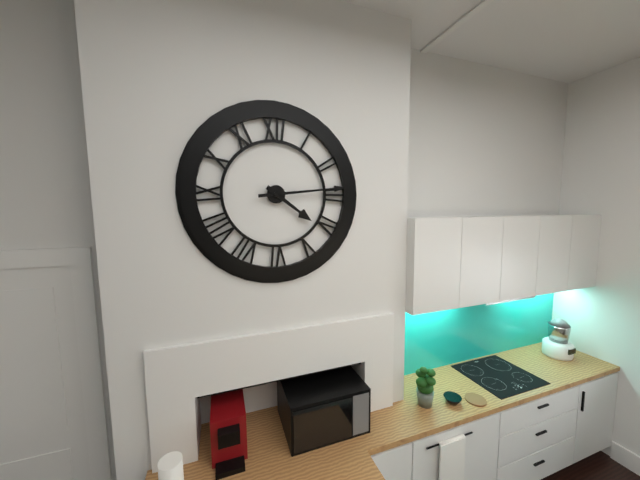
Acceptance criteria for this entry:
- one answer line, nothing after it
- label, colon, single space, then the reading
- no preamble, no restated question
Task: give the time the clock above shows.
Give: 4:14
